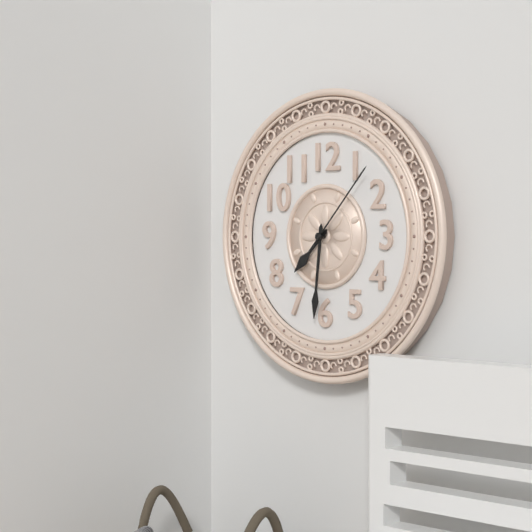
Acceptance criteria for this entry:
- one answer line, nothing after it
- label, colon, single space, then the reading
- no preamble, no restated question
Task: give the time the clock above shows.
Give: 7:31:07
